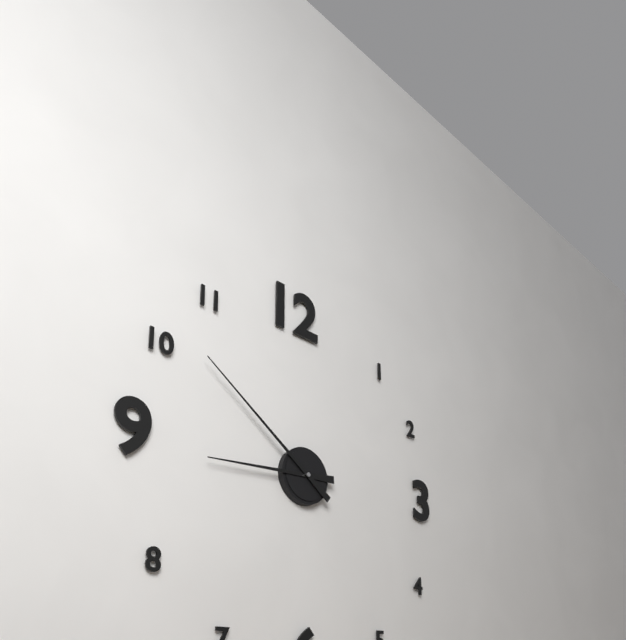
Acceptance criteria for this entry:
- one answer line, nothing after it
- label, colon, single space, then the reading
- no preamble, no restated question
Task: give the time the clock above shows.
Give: 8:51
